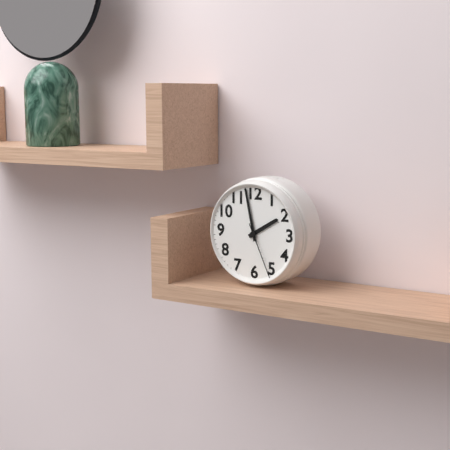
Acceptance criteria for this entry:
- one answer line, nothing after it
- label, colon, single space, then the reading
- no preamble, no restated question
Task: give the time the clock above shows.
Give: 1:58:26
